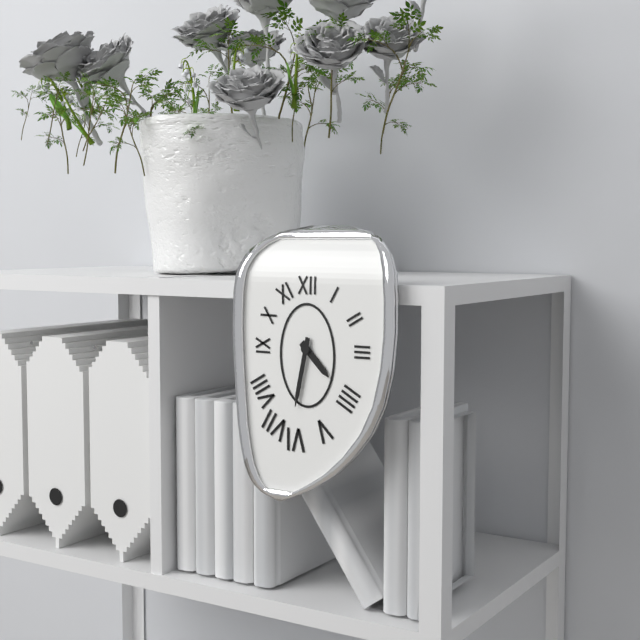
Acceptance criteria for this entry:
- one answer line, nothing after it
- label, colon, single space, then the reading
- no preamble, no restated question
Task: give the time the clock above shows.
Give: 4:32
